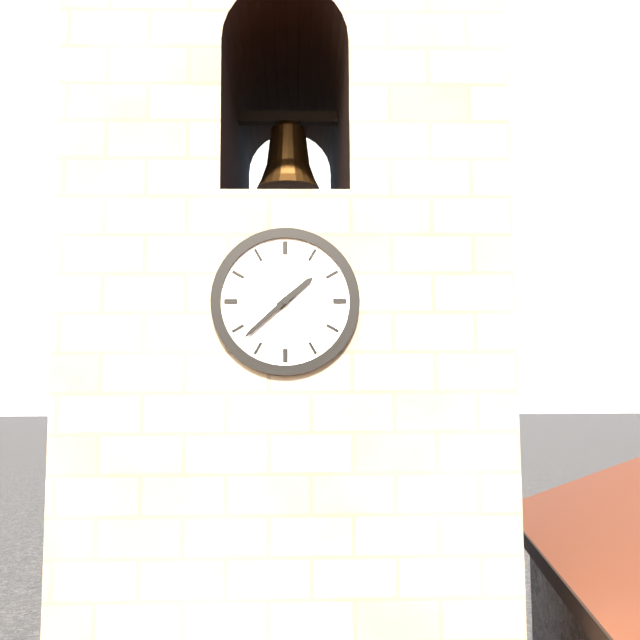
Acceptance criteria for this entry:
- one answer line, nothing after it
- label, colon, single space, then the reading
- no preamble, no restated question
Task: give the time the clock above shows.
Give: 1:38
